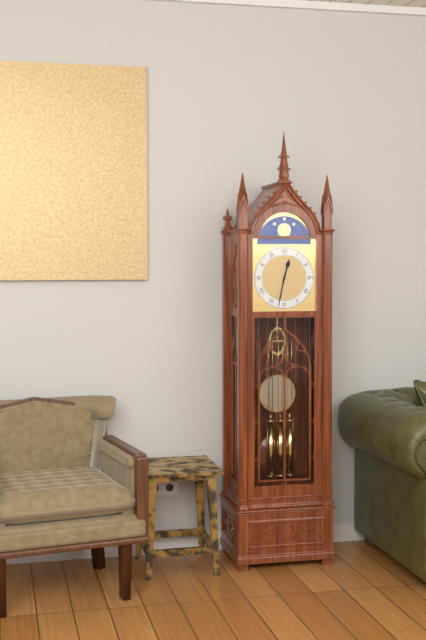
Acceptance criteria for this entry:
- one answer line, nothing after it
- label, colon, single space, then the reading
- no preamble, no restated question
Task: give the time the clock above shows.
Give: 12:32
